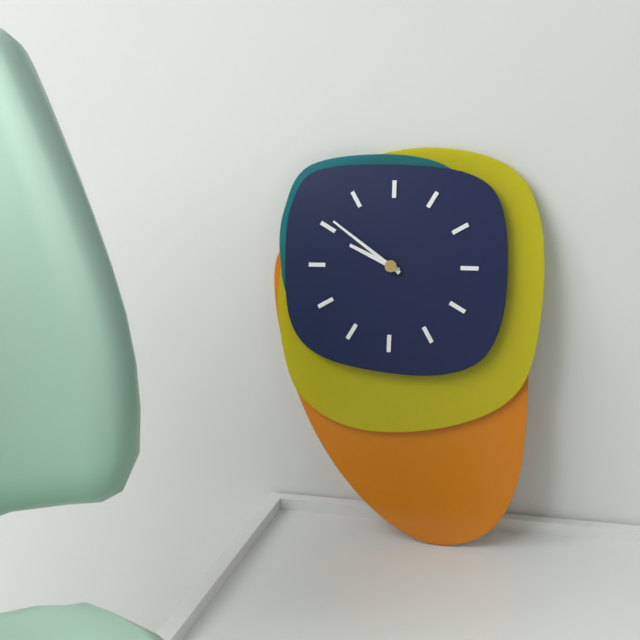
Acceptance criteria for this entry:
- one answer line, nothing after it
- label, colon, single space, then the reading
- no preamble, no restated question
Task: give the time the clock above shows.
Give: 9:51
